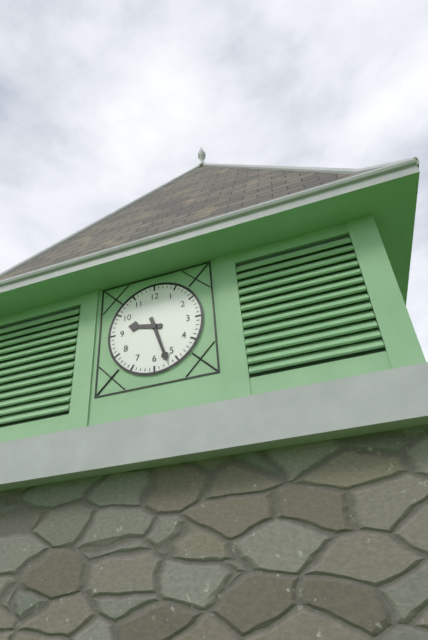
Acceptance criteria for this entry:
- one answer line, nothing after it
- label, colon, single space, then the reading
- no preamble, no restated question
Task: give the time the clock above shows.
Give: 9:27
